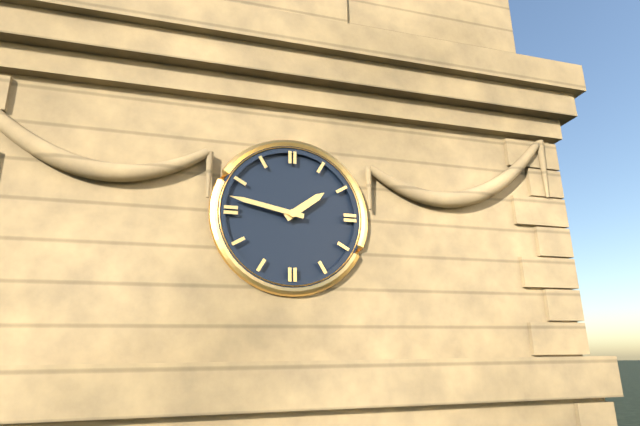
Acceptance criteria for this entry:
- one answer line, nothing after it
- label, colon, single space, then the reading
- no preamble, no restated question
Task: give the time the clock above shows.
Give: 1:47
